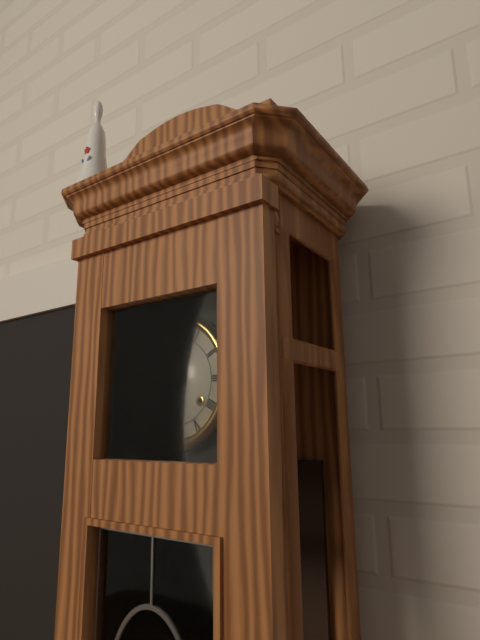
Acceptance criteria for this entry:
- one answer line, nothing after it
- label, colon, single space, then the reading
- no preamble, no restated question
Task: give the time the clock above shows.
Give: 8:39
